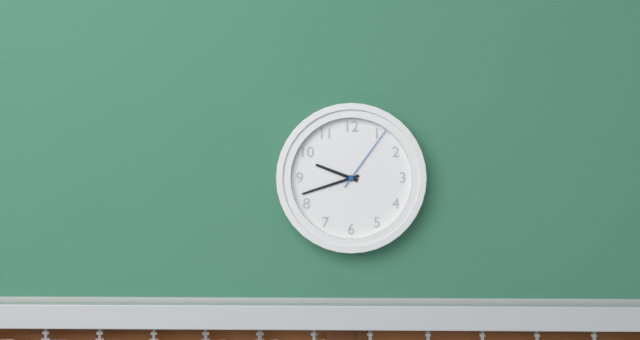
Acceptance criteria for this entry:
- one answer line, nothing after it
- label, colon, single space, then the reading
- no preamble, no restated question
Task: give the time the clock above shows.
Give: 9:42:06
